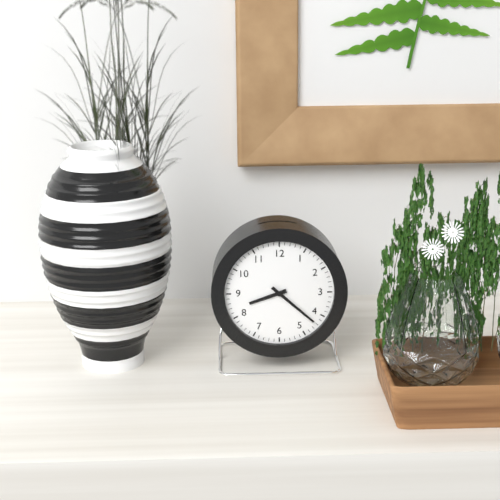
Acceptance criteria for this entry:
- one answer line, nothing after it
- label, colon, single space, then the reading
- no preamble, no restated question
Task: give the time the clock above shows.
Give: 8:22
